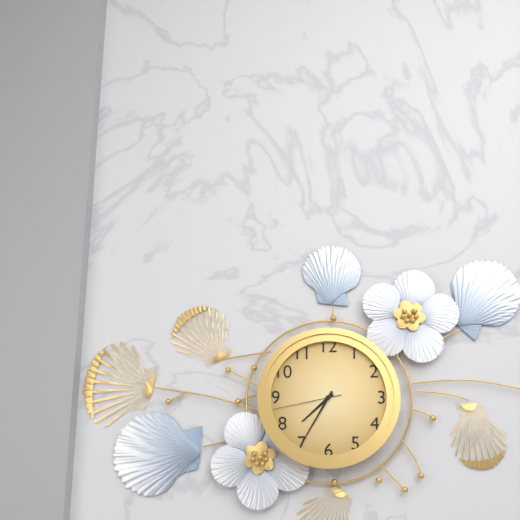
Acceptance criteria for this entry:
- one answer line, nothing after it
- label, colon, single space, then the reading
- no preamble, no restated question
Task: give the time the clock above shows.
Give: 7:35:43
